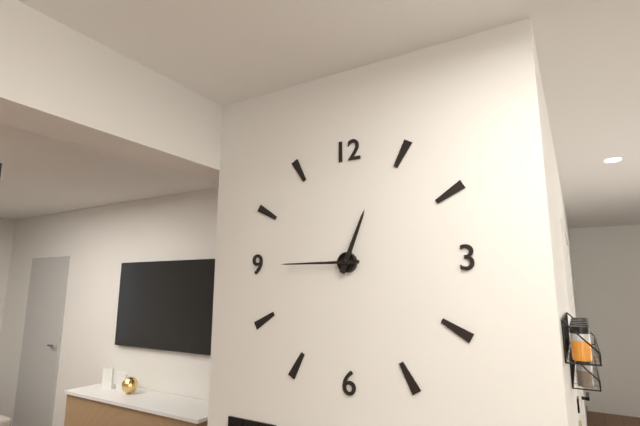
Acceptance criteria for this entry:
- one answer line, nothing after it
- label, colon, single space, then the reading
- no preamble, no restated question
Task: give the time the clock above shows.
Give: 12:45
